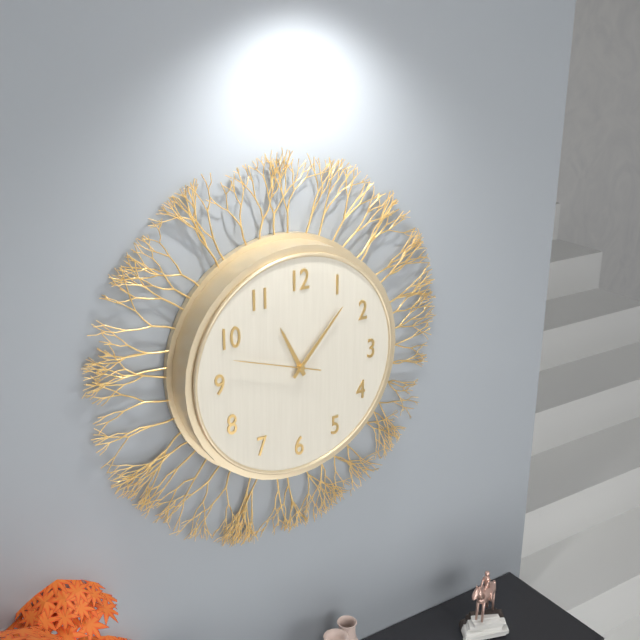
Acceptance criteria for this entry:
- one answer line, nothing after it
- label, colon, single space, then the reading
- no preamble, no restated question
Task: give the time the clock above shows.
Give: 11:07:48
